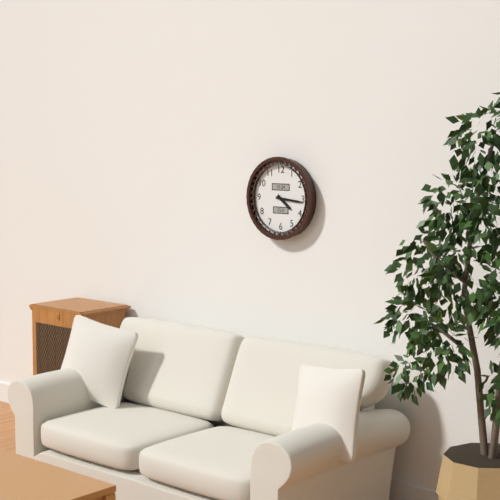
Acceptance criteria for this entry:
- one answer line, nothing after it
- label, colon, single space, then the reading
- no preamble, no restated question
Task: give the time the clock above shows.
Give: 4:16
